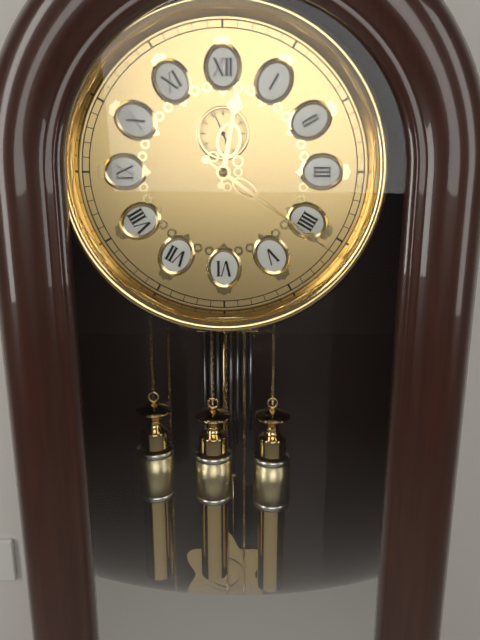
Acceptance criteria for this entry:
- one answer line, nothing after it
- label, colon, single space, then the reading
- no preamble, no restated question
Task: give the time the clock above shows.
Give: 12:21
